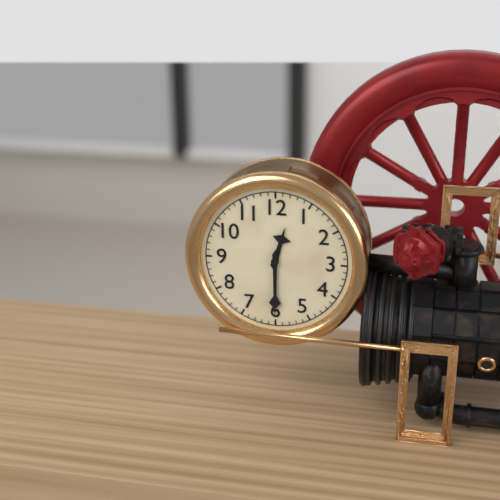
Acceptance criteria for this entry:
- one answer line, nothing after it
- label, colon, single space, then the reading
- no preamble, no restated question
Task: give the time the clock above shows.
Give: 12:30
